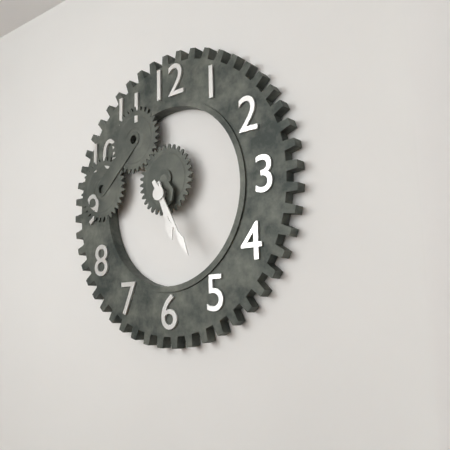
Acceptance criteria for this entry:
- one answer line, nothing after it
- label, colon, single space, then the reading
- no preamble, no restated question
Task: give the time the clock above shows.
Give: 5:25
